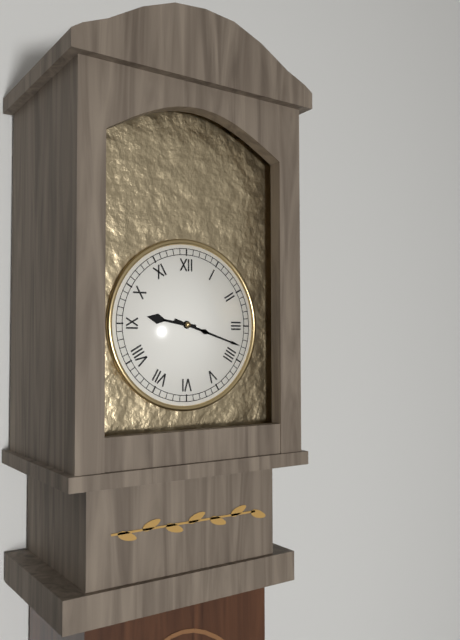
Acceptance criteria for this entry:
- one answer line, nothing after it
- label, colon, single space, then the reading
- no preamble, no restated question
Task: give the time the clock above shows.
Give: 9:18
